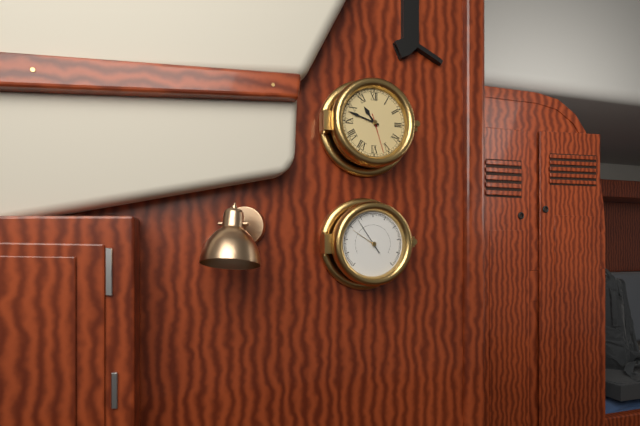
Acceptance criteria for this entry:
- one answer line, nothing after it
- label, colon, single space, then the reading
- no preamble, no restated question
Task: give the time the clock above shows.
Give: 10:48
